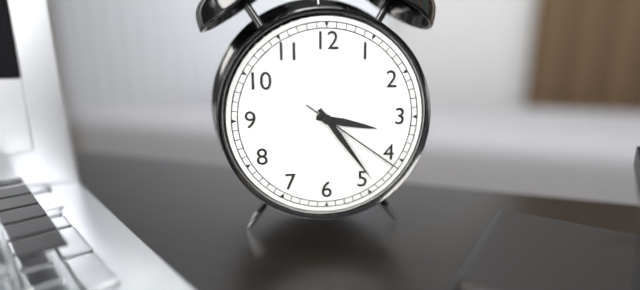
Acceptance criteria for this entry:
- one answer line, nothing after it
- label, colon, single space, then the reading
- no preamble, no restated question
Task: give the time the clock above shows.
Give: 3:24:21
